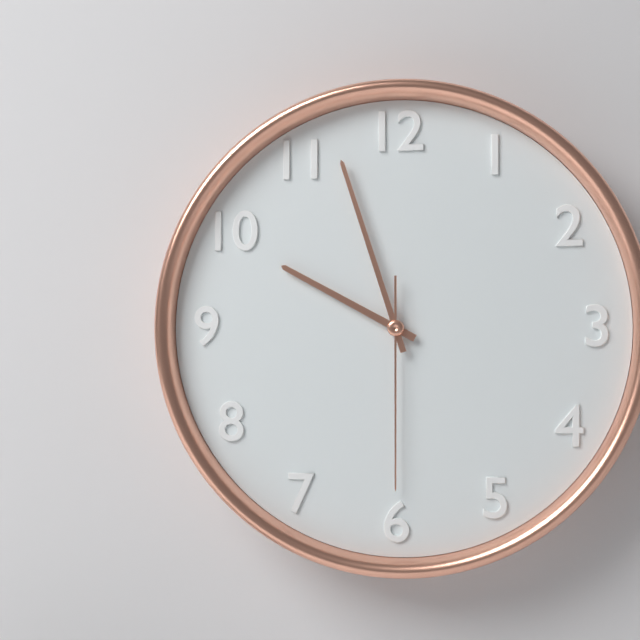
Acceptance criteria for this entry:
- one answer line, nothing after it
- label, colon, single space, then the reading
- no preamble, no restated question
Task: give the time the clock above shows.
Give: 9:57:30
